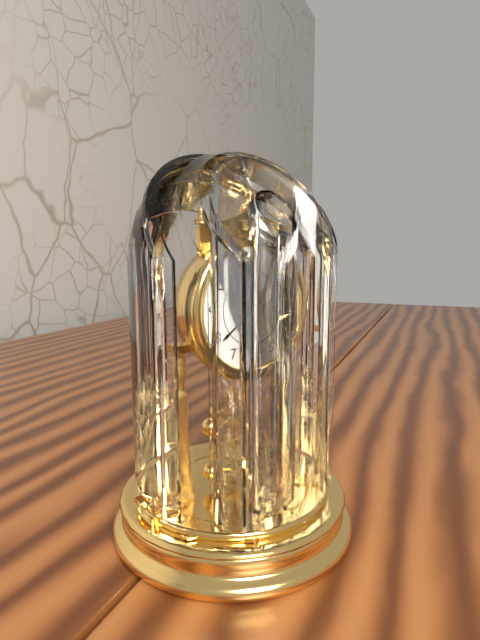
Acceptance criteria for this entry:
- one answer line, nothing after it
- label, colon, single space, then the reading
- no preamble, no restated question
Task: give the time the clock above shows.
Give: 11:39
